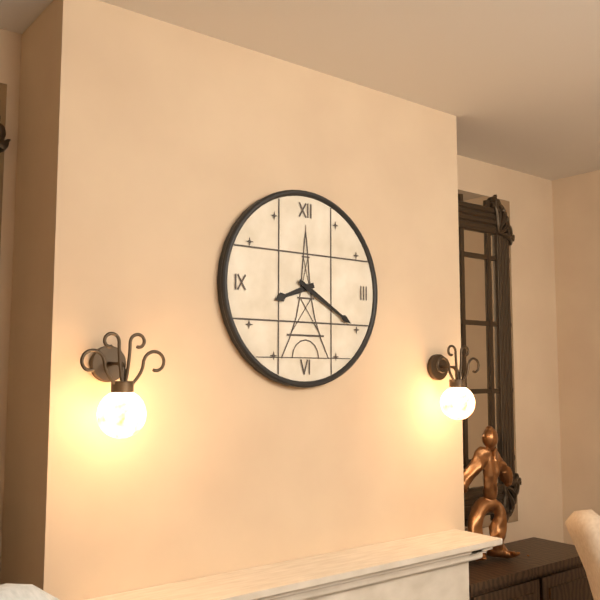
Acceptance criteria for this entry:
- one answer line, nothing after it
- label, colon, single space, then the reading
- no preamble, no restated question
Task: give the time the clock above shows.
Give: 8:20
